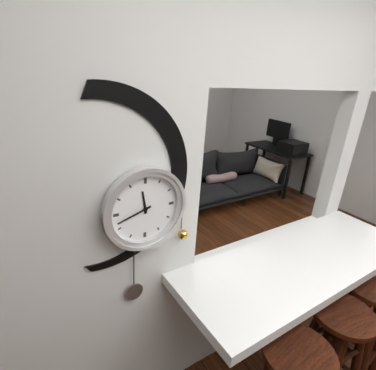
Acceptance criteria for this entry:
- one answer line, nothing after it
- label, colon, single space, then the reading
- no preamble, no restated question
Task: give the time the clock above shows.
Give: 11:42
